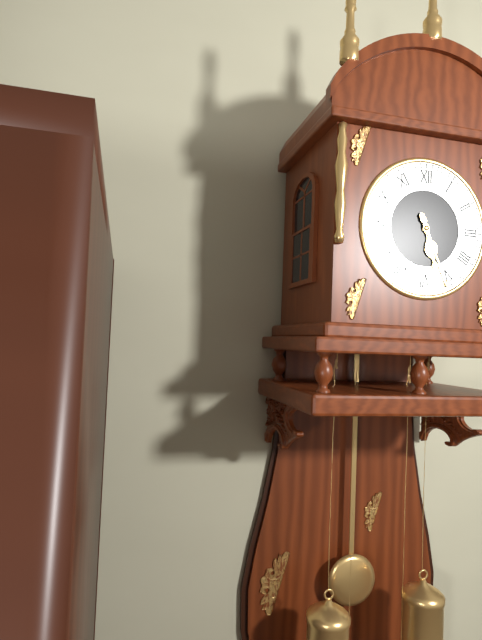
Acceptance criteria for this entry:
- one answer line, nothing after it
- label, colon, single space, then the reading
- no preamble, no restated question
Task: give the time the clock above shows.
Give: 5:26
